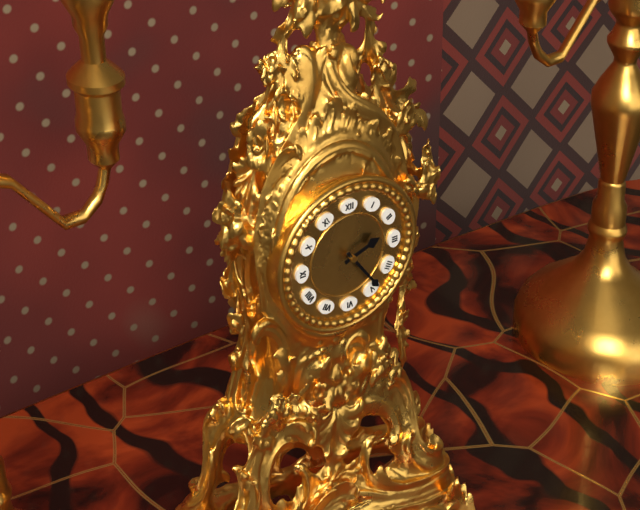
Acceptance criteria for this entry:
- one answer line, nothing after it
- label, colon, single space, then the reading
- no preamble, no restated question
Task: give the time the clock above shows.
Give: 2:24
